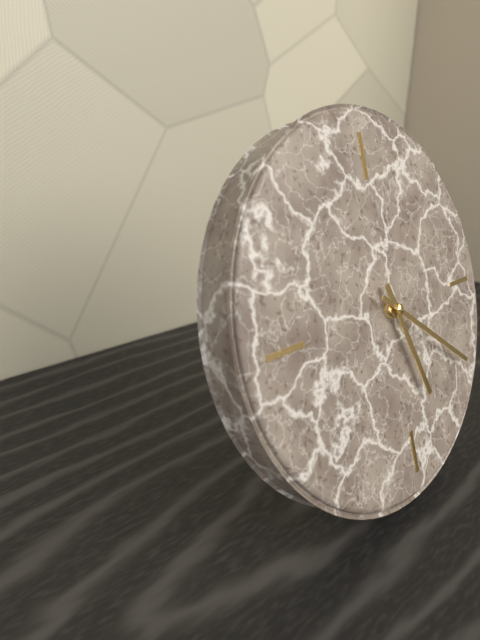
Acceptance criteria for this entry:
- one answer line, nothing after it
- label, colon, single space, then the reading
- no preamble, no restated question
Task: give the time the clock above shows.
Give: 5:21
